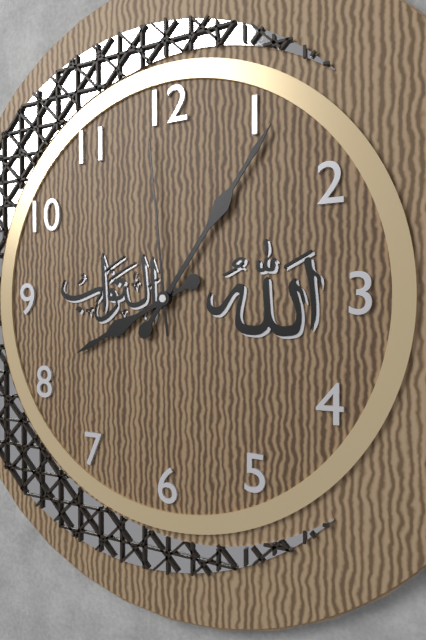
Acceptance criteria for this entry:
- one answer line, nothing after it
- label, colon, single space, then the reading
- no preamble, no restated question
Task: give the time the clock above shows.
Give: 8:06:59
